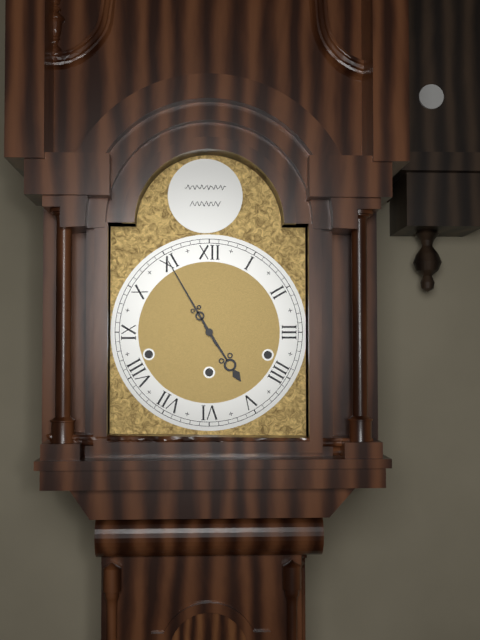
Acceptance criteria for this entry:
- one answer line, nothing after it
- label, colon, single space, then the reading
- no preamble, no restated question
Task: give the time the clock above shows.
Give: 4:55
